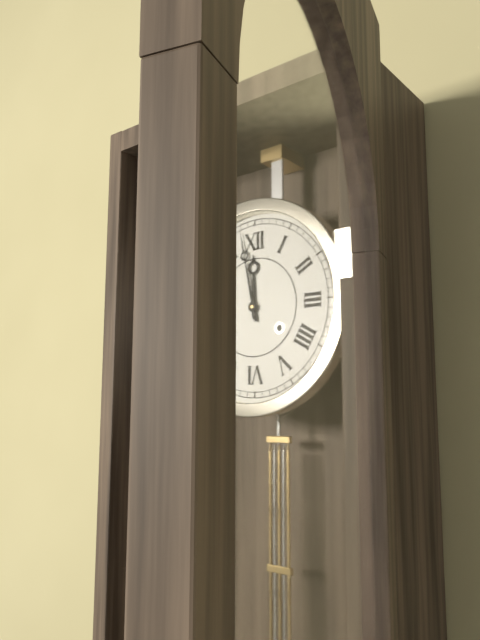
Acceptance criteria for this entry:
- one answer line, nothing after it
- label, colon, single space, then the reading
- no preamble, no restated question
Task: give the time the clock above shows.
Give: 11:58
